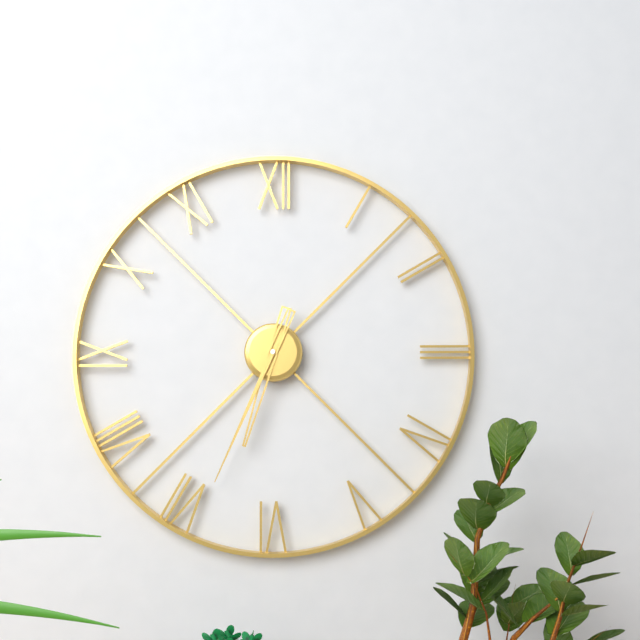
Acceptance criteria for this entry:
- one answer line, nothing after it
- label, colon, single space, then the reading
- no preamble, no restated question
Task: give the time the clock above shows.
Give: 6:34
